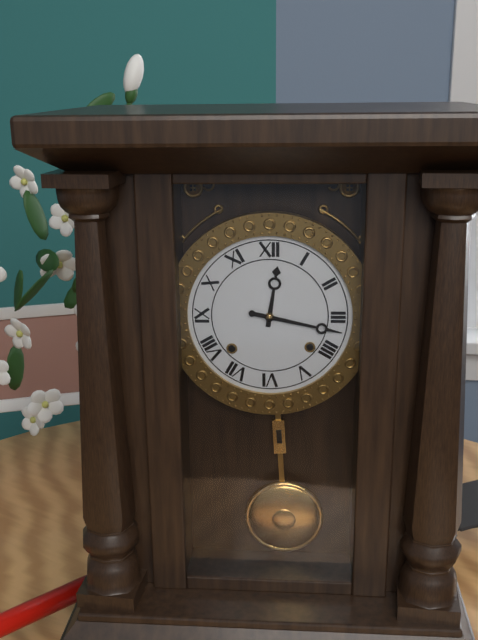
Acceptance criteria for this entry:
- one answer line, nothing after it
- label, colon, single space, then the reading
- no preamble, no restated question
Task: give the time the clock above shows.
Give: 12:17
